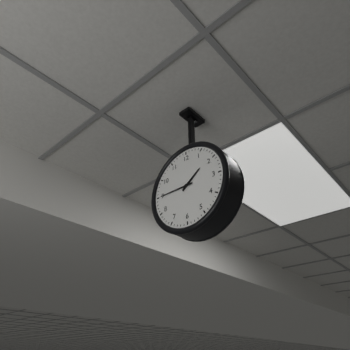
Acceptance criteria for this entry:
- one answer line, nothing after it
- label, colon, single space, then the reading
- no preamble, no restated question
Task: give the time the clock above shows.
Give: 1:45
